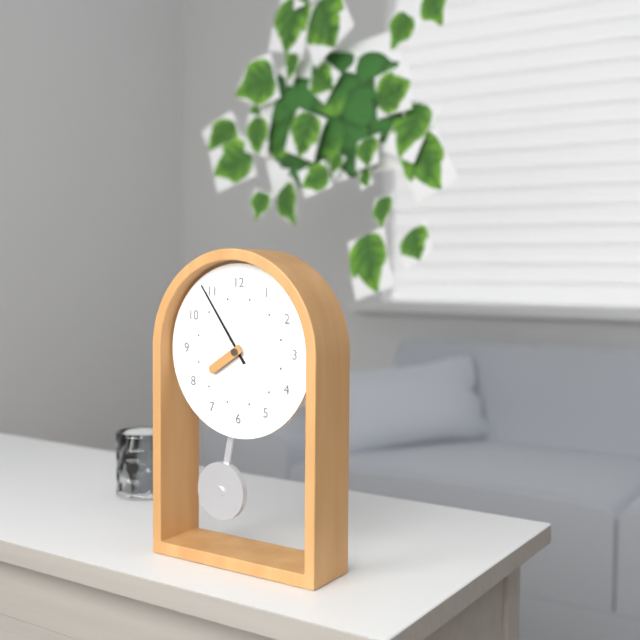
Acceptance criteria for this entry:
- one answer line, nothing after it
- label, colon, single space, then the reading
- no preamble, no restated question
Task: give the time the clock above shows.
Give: 7:54
